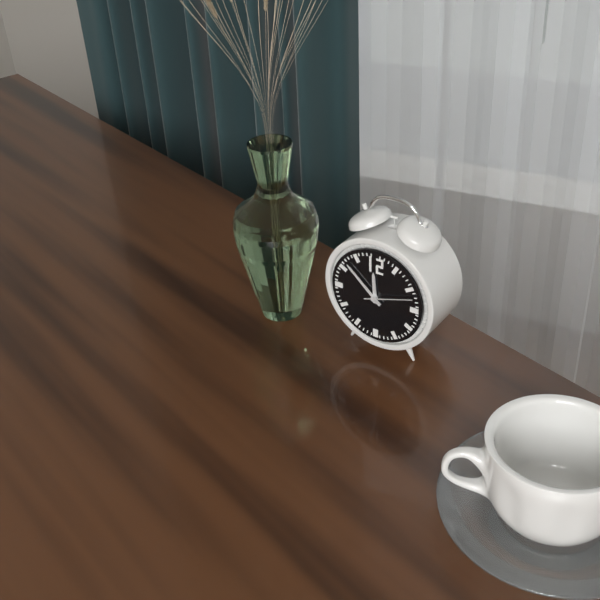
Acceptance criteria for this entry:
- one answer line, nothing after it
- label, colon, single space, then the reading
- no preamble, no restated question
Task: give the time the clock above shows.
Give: 11:52
